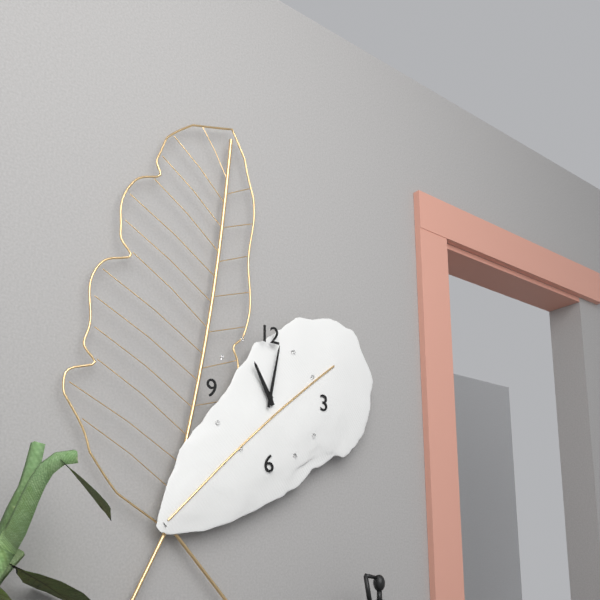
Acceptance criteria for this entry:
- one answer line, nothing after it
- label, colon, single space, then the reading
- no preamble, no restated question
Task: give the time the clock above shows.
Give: 11:02
